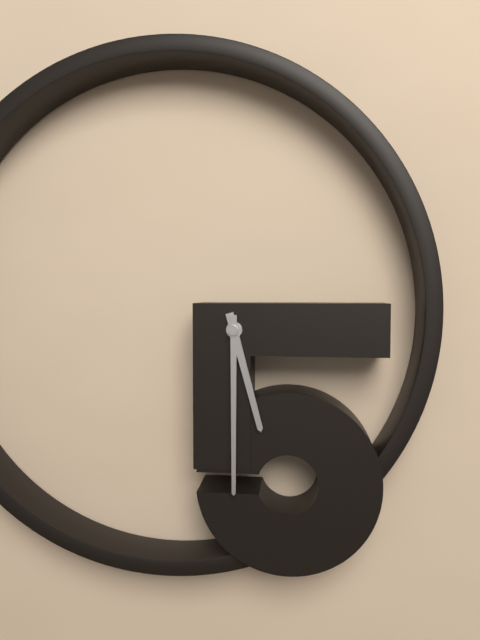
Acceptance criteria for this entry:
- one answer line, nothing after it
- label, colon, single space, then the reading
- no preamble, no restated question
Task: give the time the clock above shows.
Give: 5:30
